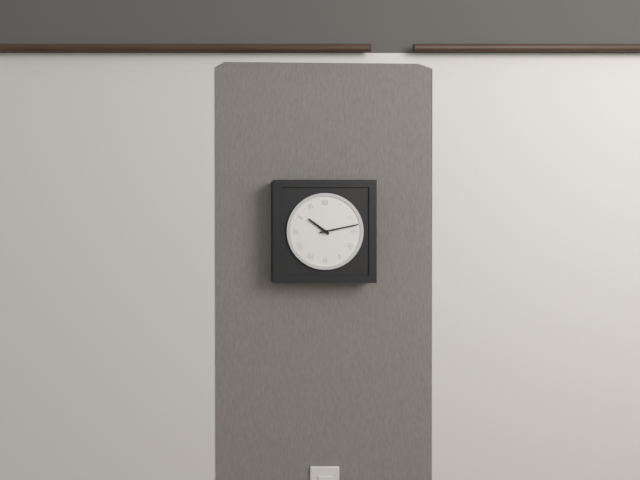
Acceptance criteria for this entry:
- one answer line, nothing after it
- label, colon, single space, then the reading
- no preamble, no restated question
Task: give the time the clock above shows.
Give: 10:13
